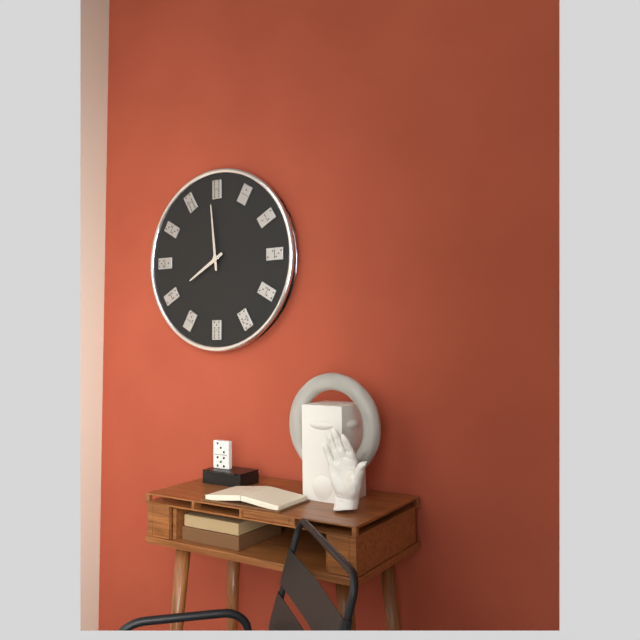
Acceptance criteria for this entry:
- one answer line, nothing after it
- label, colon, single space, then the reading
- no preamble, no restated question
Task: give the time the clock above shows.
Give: 7:59
